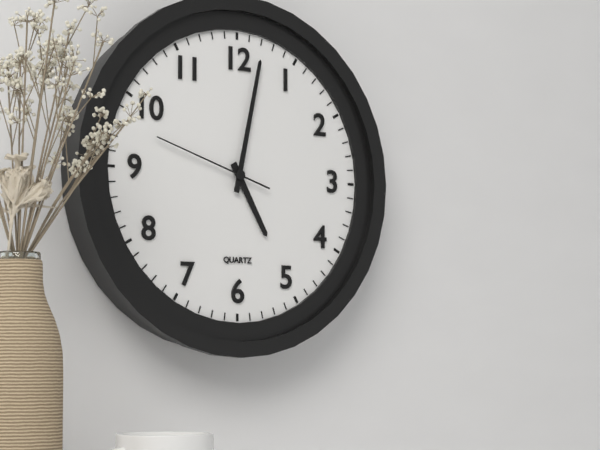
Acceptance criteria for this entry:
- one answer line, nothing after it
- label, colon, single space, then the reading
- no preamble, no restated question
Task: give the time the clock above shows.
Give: 5:02:48
